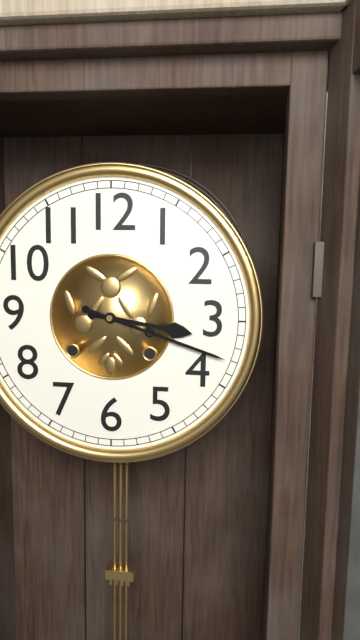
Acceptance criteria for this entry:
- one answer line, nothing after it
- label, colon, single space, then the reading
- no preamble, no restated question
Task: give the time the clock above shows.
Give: 3:18
